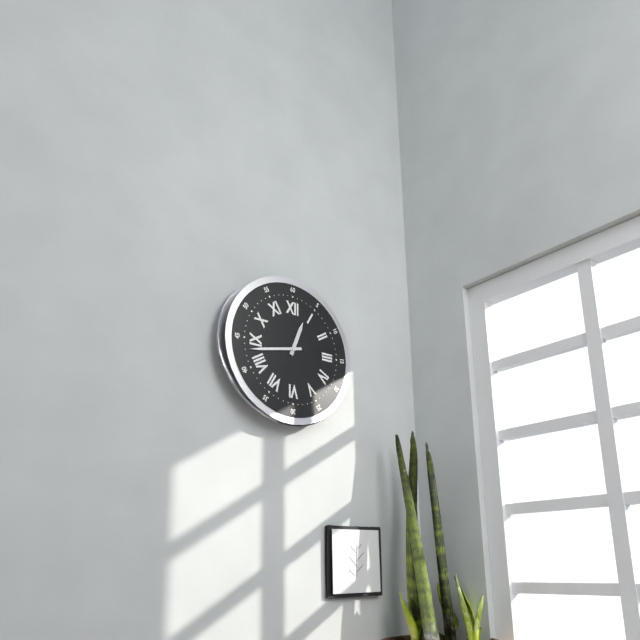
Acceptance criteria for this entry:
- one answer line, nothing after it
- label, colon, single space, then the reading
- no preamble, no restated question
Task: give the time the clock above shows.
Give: 12:43
